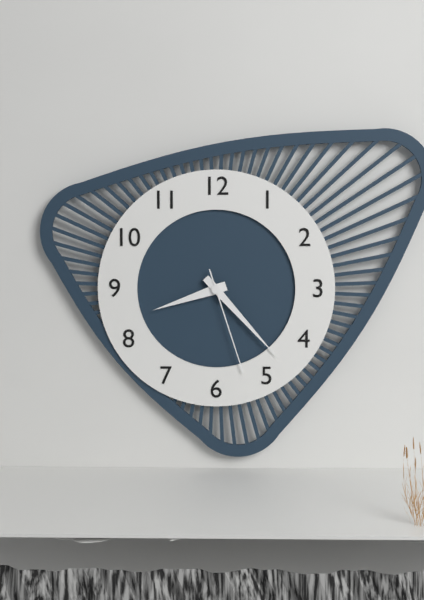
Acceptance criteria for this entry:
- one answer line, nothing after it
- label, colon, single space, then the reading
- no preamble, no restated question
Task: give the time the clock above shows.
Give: 8:23:27
